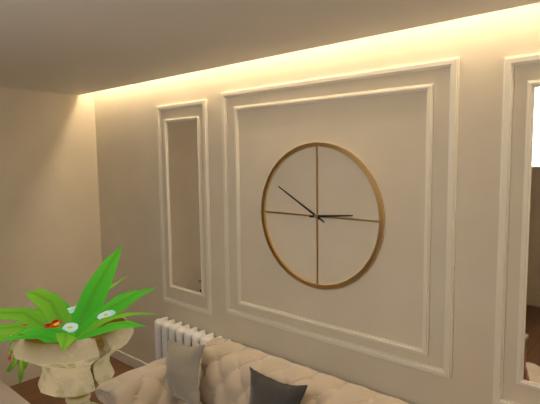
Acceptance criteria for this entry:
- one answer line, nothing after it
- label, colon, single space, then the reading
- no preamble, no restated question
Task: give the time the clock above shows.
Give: 2:50
